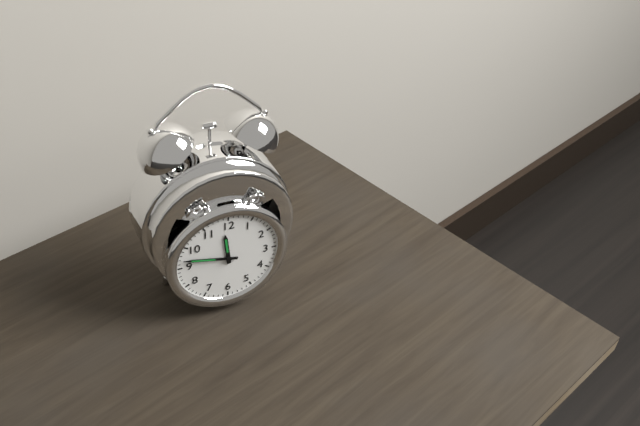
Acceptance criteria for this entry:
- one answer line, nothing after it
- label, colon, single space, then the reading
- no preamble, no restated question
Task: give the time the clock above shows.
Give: 11:47
